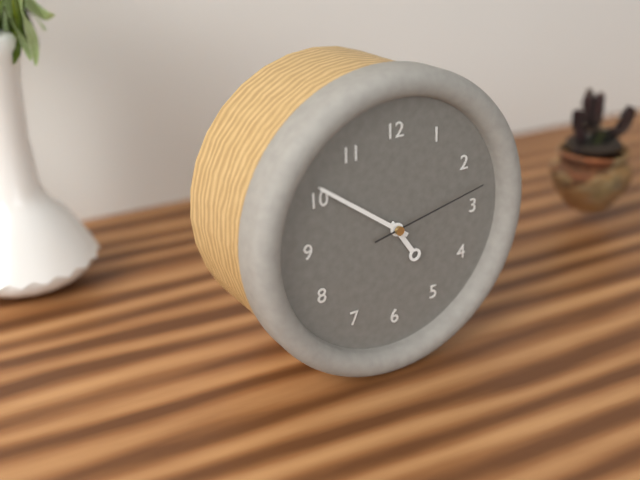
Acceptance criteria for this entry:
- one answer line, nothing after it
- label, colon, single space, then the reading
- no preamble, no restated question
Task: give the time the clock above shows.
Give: 4:51:13
